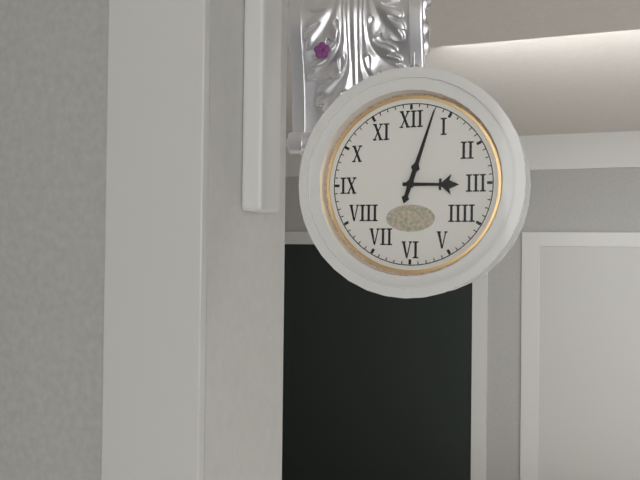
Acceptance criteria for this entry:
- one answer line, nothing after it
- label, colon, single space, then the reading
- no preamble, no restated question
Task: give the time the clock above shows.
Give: 3:03
